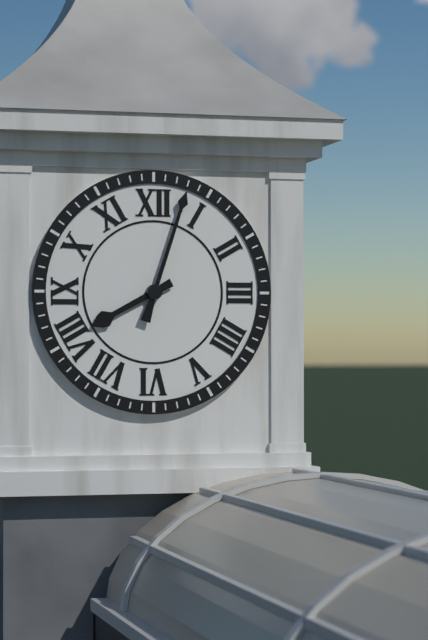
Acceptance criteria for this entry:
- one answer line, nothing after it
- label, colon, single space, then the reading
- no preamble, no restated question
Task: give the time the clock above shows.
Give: 8:03
